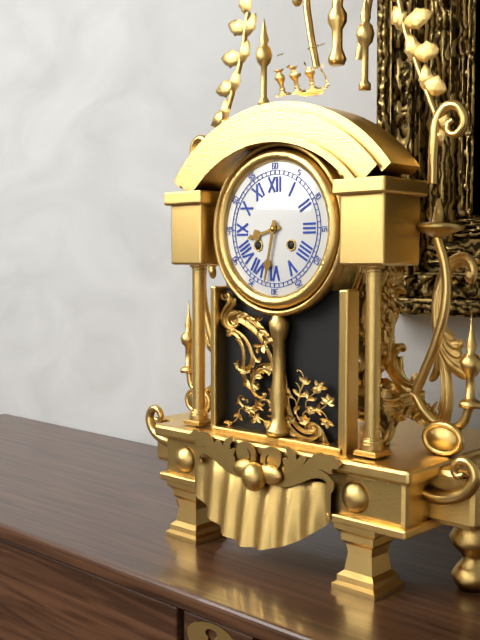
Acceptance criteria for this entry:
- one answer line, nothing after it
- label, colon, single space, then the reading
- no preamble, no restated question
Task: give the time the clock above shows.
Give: 8:32
